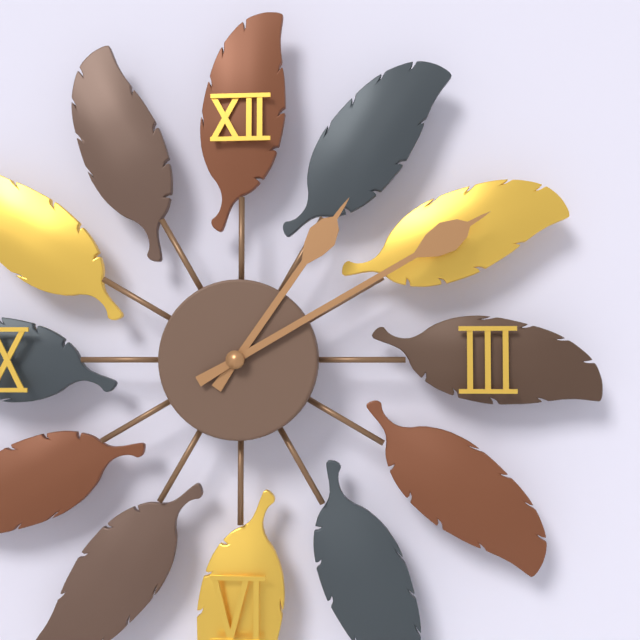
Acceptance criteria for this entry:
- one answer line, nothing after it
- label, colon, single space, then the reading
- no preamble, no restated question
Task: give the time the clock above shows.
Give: 1:10
